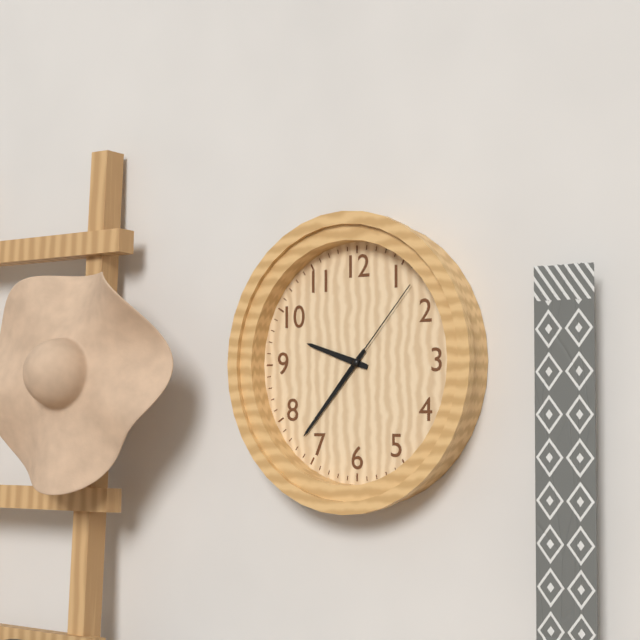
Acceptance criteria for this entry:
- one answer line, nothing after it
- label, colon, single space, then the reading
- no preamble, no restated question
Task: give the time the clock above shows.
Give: 9:37:07
